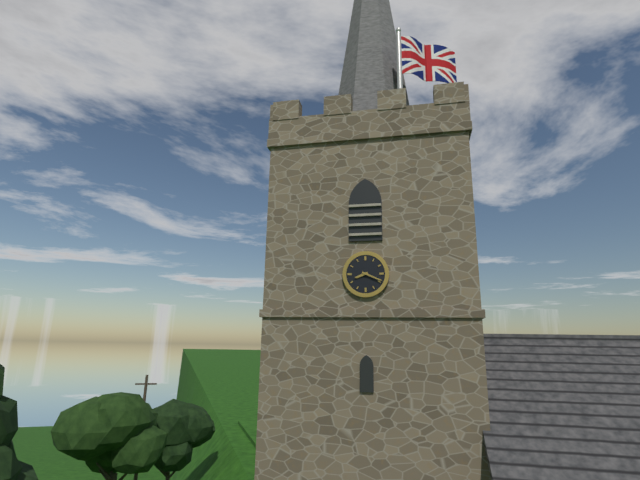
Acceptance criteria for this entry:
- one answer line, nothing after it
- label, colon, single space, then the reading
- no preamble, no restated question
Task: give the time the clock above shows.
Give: 8:19
